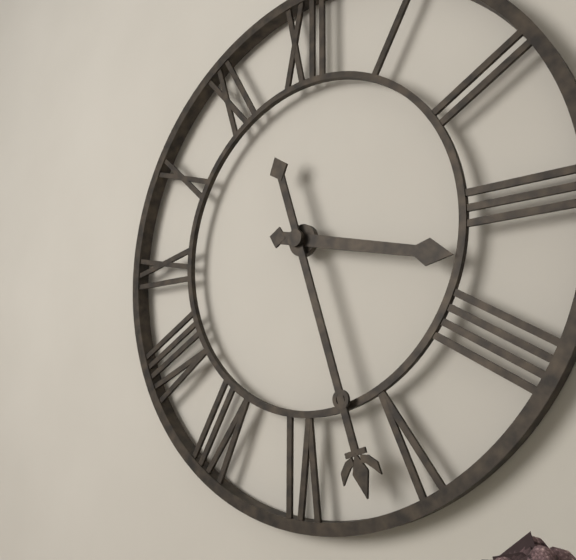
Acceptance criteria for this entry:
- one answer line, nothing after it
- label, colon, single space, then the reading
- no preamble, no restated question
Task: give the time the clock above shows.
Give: 3:27
